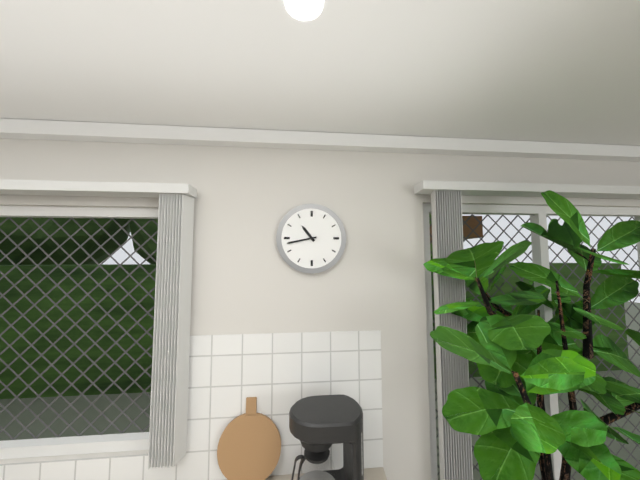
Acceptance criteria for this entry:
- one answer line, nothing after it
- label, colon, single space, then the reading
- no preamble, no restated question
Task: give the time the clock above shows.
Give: 10:43
